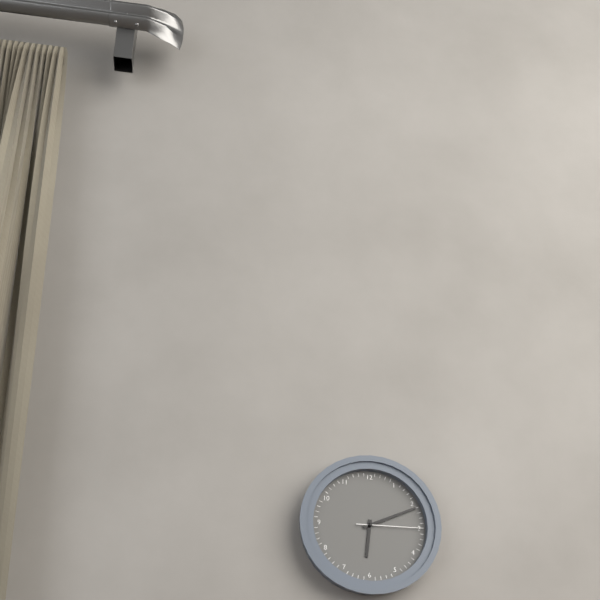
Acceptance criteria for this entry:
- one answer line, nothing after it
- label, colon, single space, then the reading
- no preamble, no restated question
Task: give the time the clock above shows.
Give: 6:11:15
